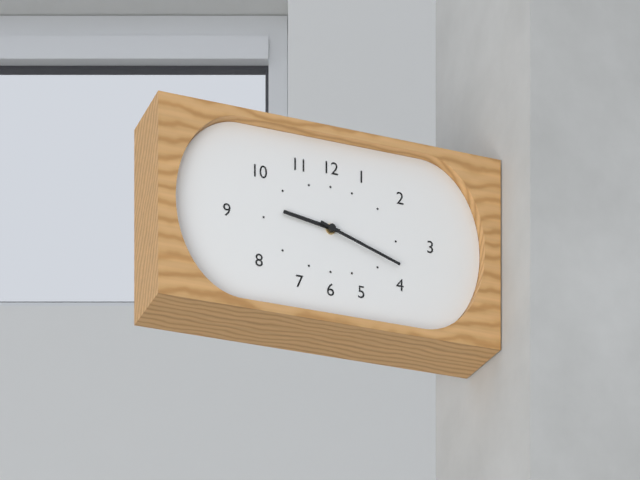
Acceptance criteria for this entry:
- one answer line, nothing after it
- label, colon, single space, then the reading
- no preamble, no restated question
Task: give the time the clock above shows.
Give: 9:18
